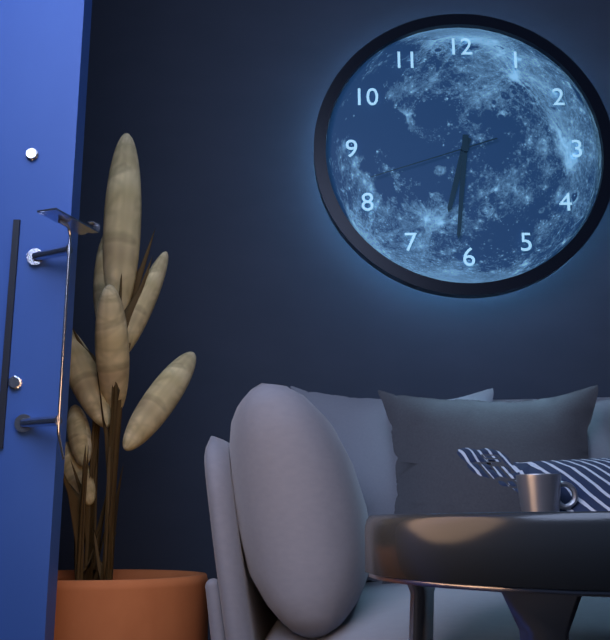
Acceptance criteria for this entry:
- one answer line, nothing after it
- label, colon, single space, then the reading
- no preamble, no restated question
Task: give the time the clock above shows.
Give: 6:31:42
